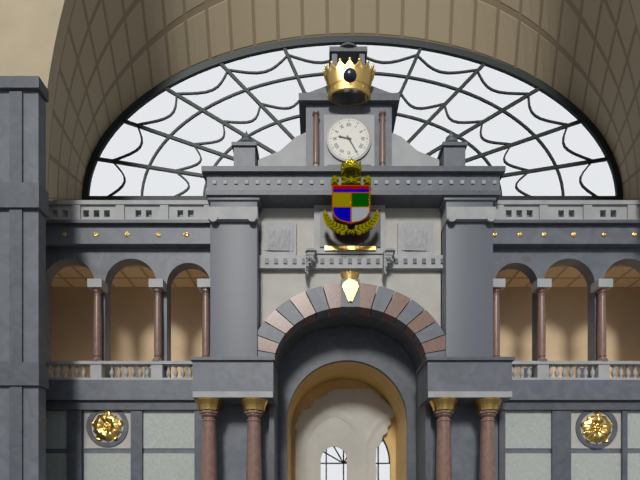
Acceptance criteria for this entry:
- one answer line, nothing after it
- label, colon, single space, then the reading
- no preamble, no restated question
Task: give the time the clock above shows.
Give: 9:25
